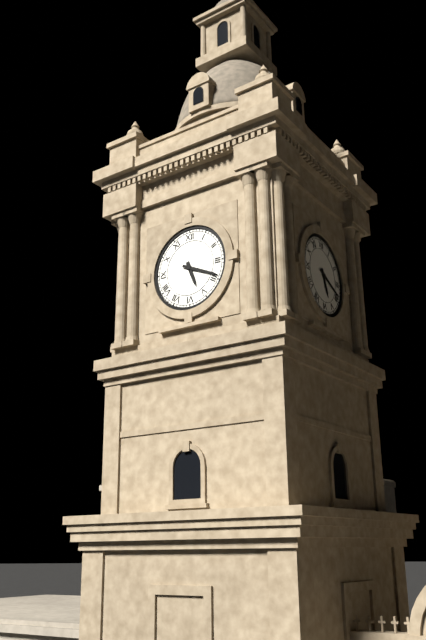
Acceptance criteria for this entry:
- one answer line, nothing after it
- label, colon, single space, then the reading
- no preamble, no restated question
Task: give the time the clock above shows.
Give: 5:19
